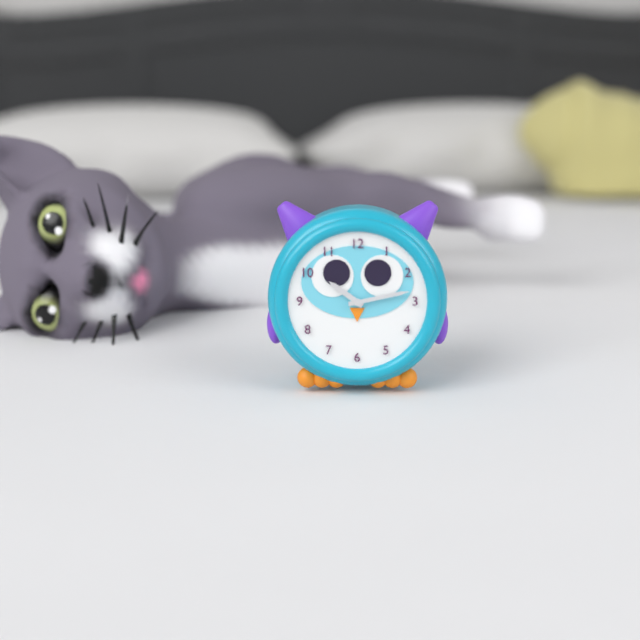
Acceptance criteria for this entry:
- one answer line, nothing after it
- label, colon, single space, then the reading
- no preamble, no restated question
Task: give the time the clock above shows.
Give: 10:13
